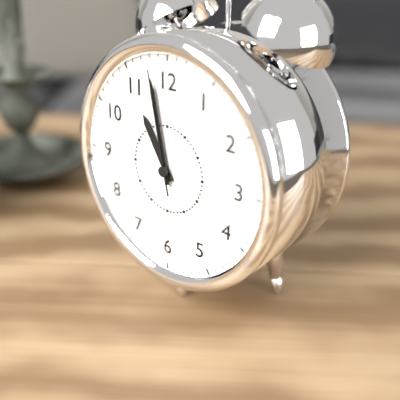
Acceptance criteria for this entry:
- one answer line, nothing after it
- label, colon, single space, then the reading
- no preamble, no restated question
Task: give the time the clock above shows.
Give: 10:58:58
